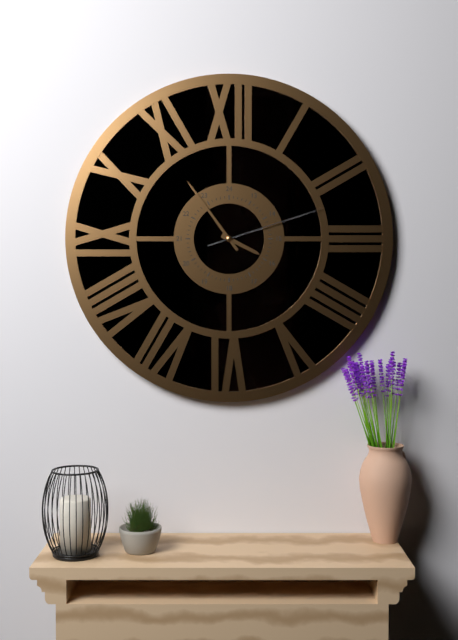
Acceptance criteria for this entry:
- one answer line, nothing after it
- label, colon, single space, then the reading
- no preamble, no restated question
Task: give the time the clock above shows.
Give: 3:54:12
